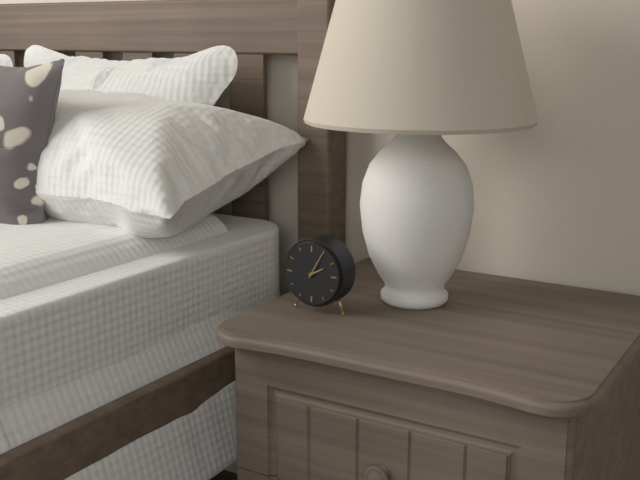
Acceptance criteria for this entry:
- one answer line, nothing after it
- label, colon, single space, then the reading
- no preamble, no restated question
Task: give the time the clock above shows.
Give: 2:05
